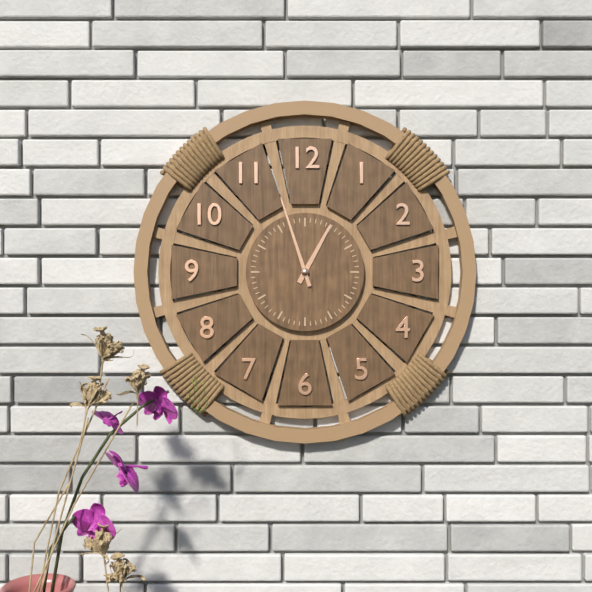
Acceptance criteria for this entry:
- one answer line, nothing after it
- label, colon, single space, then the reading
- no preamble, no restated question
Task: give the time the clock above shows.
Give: 12:57
